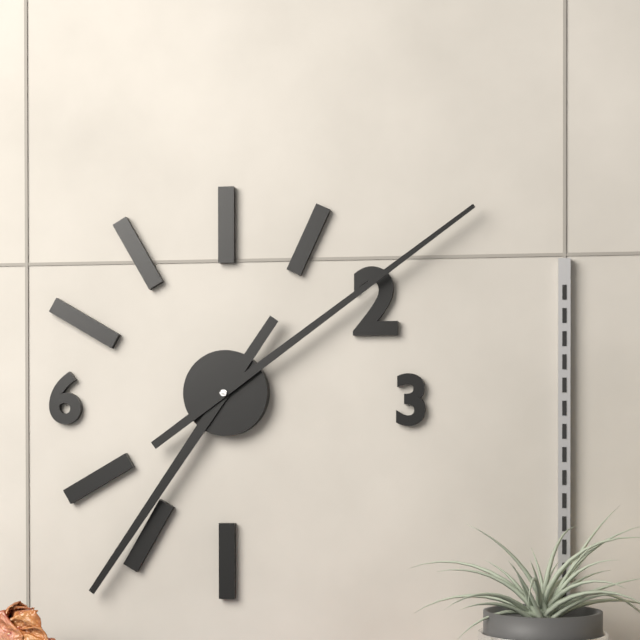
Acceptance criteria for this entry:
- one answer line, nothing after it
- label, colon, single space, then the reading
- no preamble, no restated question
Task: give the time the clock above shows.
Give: 7:09
